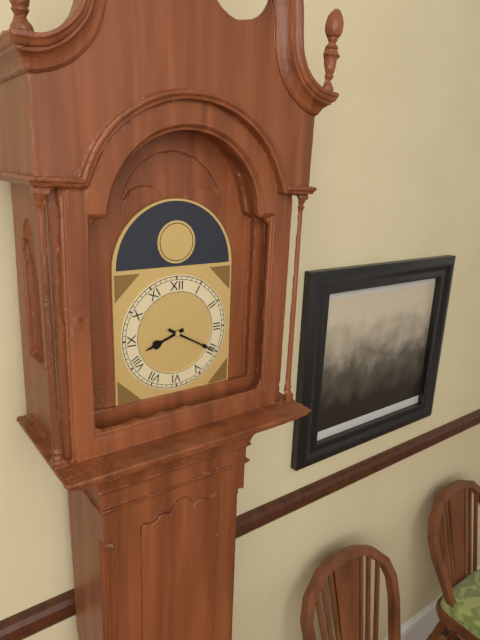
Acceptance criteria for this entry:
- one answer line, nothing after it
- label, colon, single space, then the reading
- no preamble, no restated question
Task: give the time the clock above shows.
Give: 8:20
